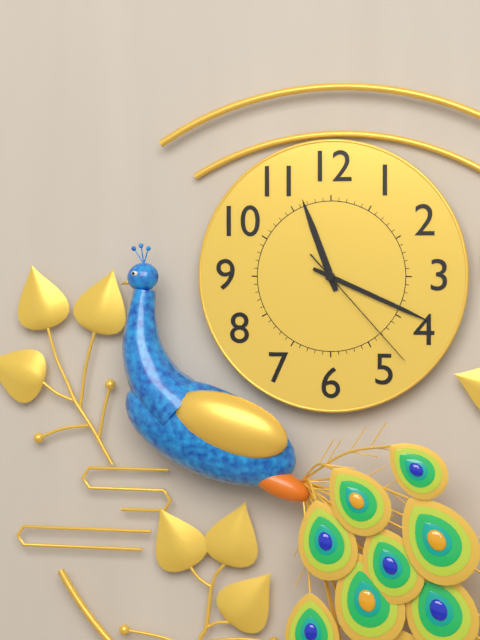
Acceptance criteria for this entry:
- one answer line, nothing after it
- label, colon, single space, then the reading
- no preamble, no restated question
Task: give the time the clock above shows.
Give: 11:19:23
